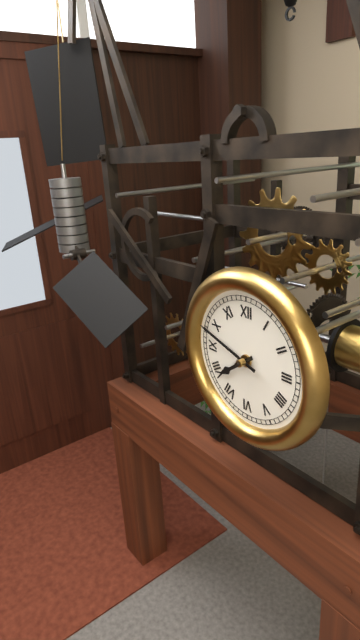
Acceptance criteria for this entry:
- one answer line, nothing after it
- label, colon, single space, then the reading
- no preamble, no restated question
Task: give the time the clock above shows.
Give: 7:48
